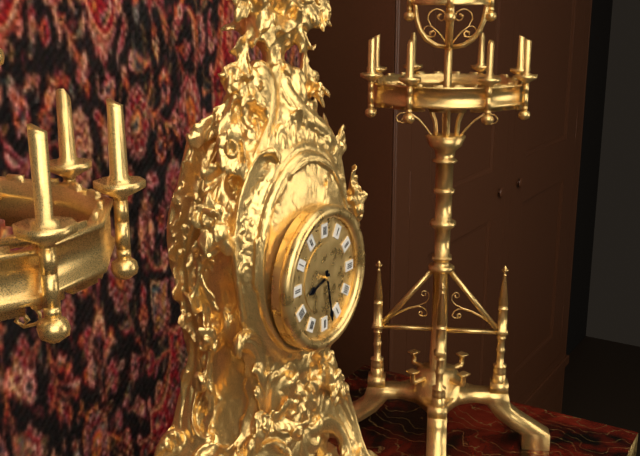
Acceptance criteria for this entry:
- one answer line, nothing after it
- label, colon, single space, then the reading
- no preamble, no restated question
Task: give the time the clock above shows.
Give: 8:28
